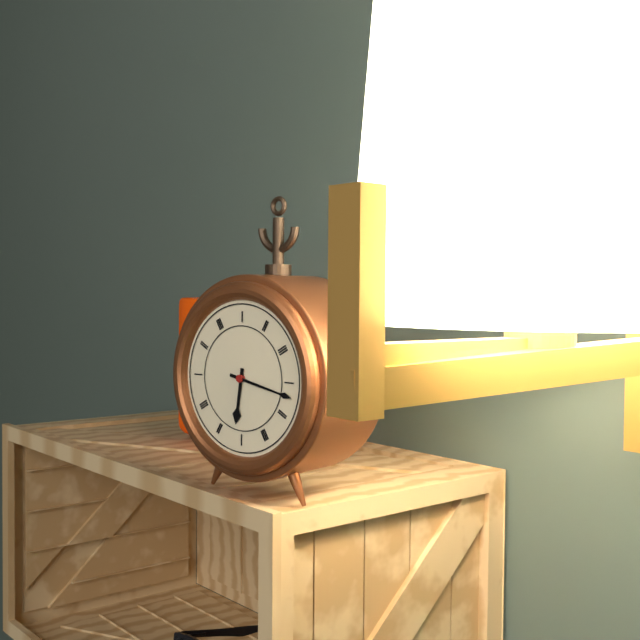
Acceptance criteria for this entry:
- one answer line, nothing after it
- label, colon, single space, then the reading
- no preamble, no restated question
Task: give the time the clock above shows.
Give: 6:17
